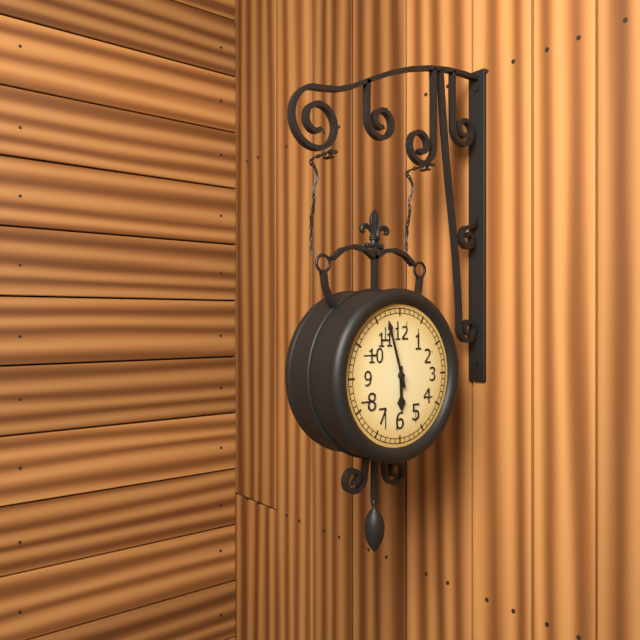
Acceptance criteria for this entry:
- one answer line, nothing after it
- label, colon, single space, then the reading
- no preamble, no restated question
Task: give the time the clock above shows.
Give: 5:57
